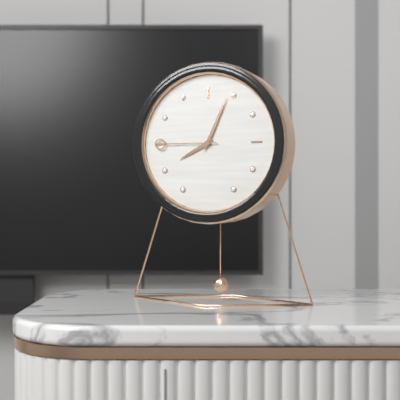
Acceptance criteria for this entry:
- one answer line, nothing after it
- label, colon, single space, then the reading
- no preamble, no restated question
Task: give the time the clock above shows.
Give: 8:04:45
